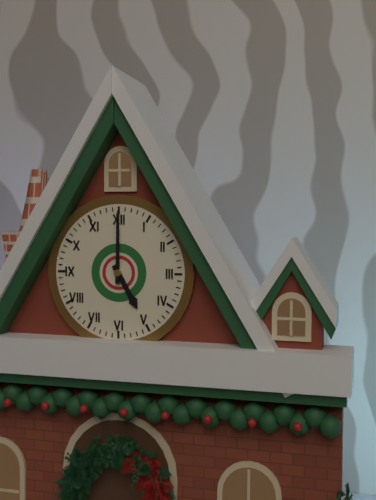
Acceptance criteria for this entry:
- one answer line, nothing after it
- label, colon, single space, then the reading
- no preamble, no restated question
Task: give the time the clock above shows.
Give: 5:00
